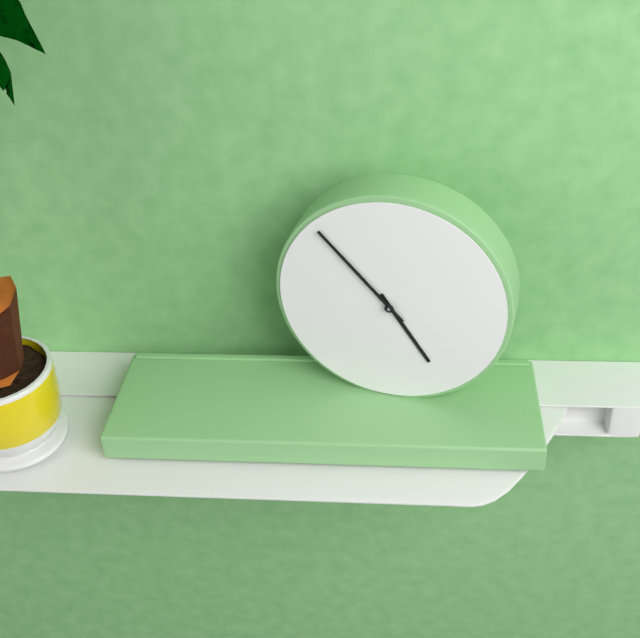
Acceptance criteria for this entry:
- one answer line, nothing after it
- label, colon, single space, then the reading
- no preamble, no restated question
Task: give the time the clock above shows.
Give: 4:53
